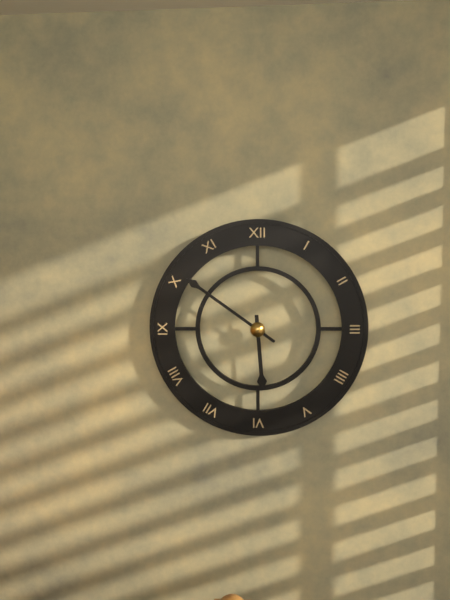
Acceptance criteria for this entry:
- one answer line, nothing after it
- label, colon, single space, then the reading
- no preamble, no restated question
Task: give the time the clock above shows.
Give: 5:51
